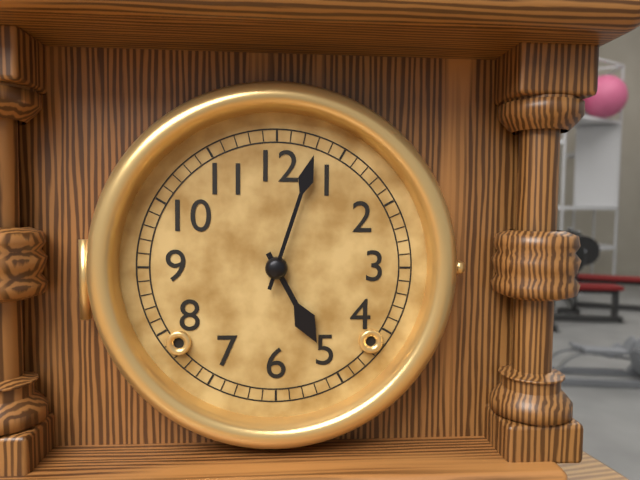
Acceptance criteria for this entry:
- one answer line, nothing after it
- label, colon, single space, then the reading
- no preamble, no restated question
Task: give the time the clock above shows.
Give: 5:03
